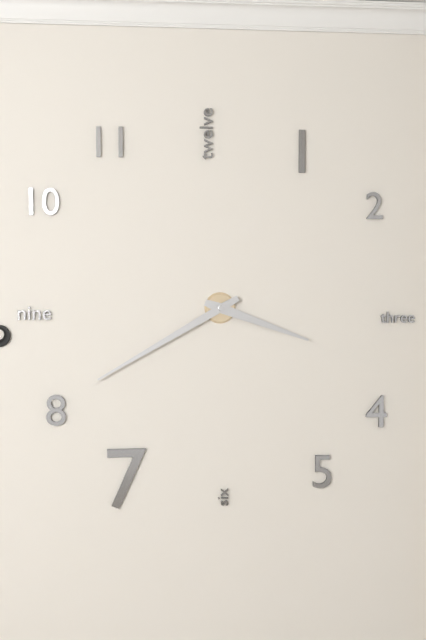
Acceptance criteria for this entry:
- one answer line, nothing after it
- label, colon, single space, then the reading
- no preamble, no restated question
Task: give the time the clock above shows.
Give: 3:40
